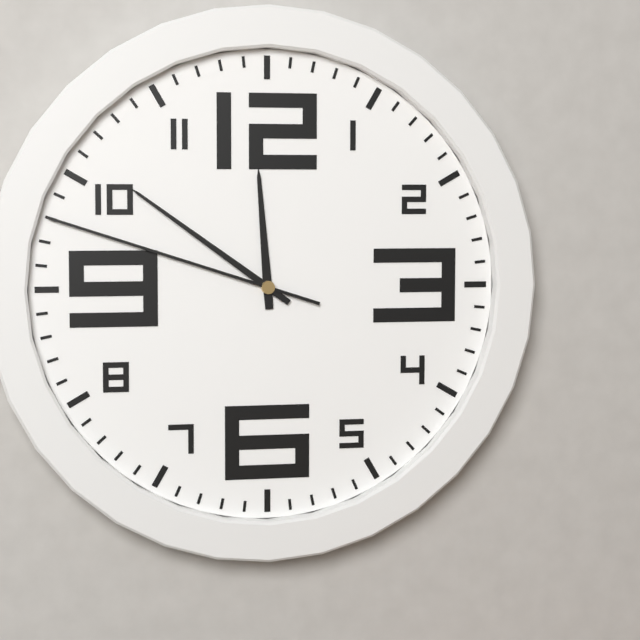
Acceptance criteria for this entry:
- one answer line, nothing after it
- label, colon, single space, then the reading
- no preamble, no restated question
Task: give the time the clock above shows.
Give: 11:51:48
